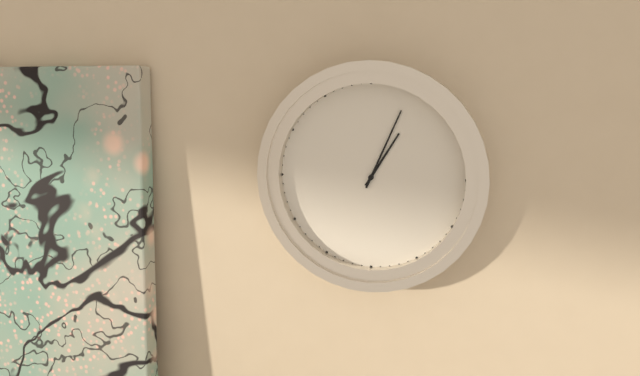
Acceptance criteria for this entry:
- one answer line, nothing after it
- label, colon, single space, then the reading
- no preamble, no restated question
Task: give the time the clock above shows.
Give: 1:04
